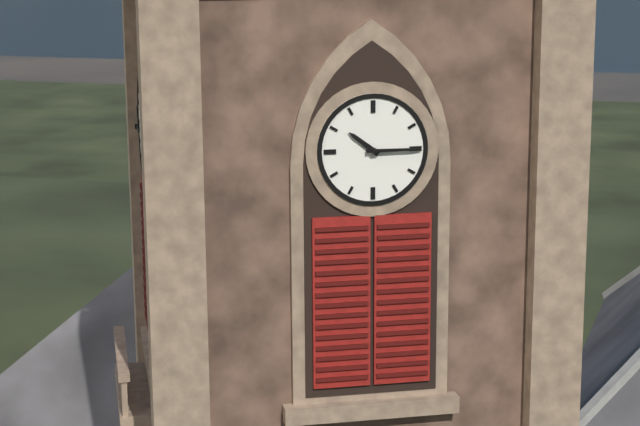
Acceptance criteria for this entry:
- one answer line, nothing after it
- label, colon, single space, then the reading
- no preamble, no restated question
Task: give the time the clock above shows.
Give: 10:15
